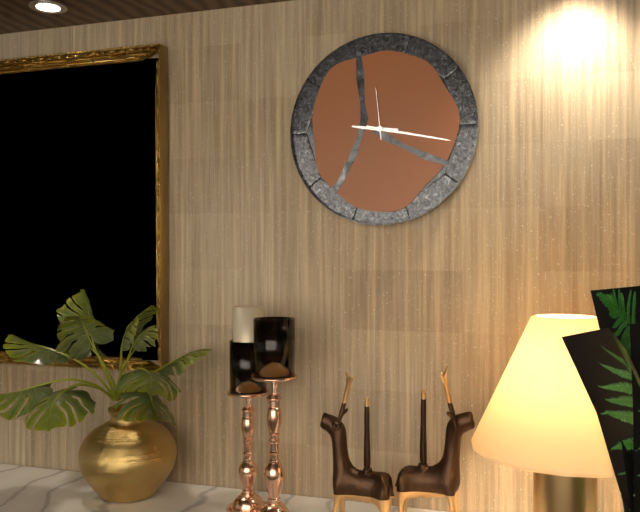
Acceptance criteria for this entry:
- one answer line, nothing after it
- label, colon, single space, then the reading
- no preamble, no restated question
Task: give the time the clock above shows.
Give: 9:17:59
